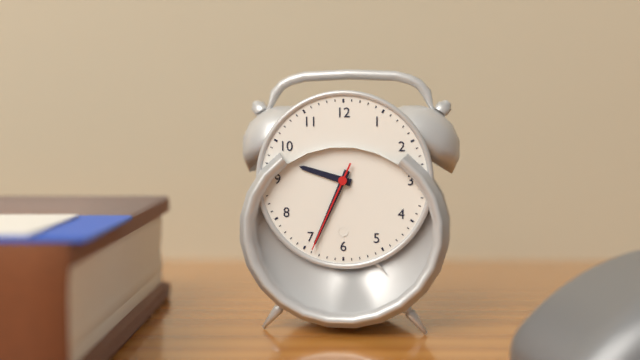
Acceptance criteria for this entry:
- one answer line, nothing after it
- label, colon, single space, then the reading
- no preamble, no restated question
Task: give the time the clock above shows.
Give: 9:34:34
